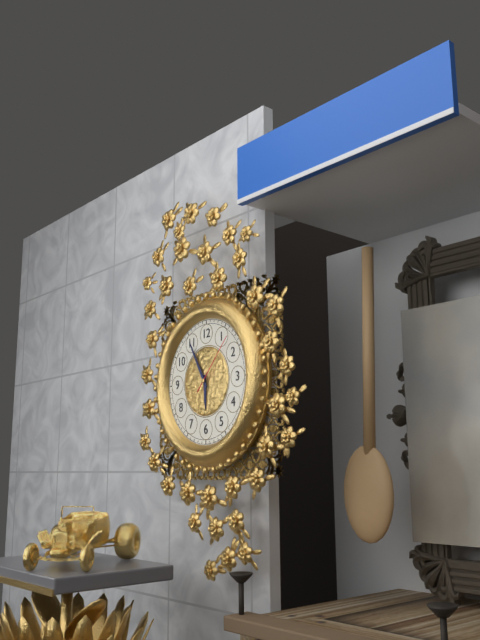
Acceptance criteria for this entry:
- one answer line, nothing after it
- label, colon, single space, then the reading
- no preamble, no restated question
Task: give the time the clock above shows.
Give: 5:55:07
